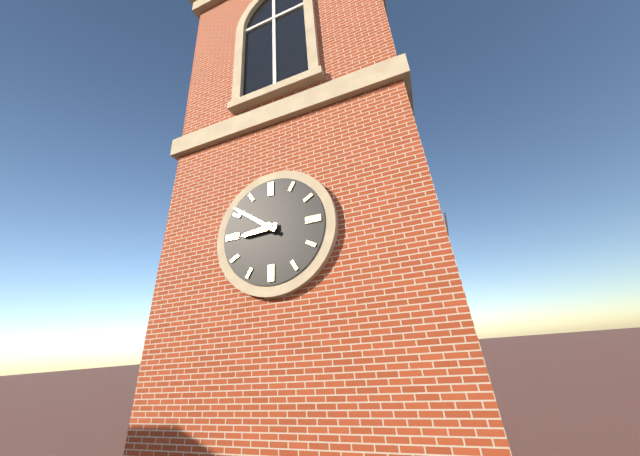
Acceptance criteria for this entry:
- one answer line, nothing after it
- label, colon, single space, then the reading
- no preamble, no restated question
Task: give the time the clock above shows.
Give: 8:51
